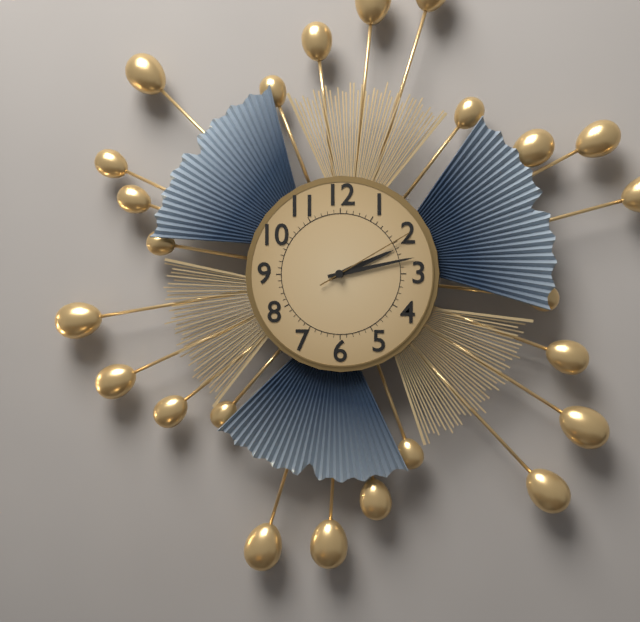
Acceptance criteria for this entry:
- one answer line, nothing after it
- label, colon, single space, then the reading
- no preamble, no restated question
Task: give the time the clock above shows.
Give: 2:13:10
